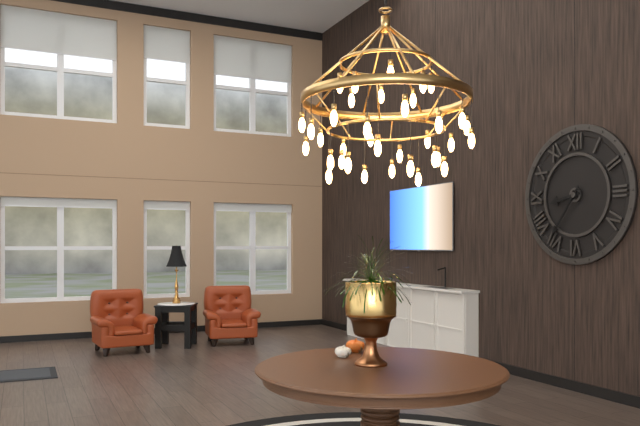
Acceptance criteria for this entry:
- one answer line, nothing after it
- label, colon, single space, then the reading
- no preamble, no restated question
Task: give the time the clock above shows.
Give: 8:36
